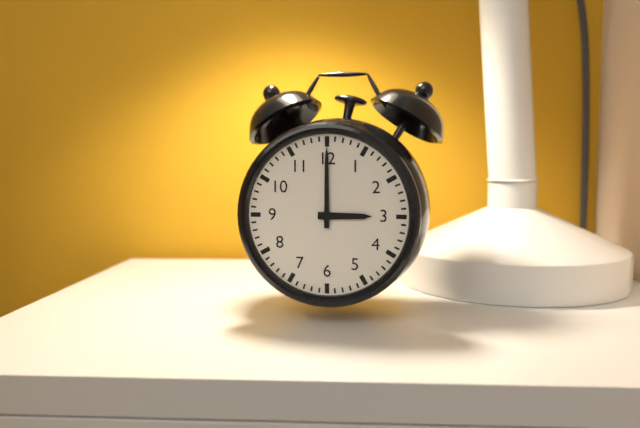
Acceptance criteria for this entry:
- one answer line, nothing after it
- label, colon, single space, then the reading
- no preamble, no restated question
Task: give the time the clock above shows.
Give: 3:00
